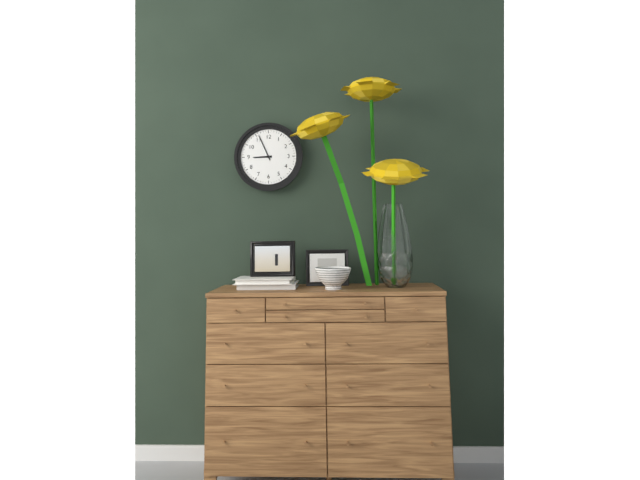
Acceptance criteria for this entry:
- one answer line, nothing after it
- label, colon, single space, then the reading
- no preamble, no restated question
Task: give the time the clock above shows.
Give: 8:56
